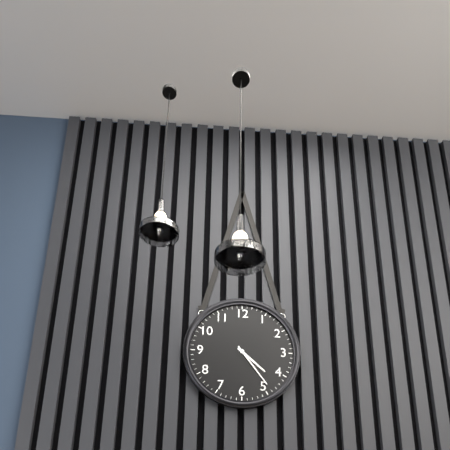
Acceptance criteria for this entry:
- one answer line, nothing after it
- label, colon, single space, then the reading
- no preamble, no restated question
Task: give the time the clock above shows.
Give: 4:24
